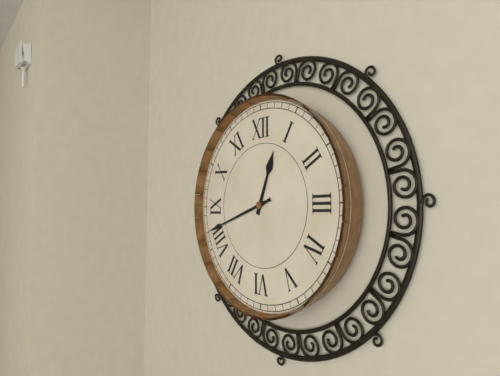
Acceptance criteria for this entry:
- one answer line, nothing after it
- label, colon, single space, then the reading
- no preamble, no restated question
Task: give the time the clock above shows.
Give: 12:42
